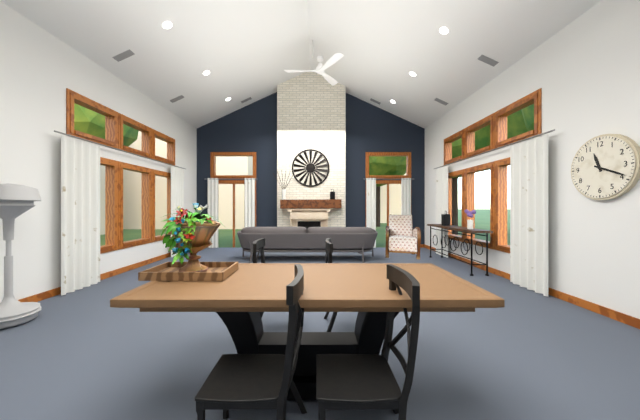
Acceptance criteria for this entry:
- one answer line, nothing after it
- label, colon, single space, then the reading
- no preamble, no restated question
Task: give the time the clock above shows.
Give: 11:19
